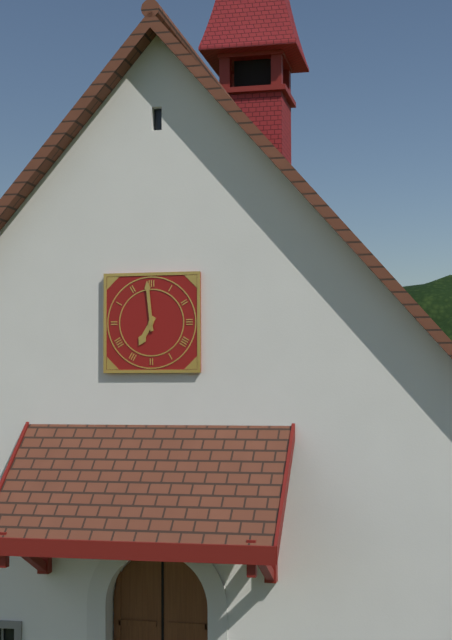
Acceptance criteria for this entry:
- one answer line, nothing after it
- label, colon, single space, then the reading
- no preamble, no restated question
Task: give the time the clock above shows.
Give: 6:59
